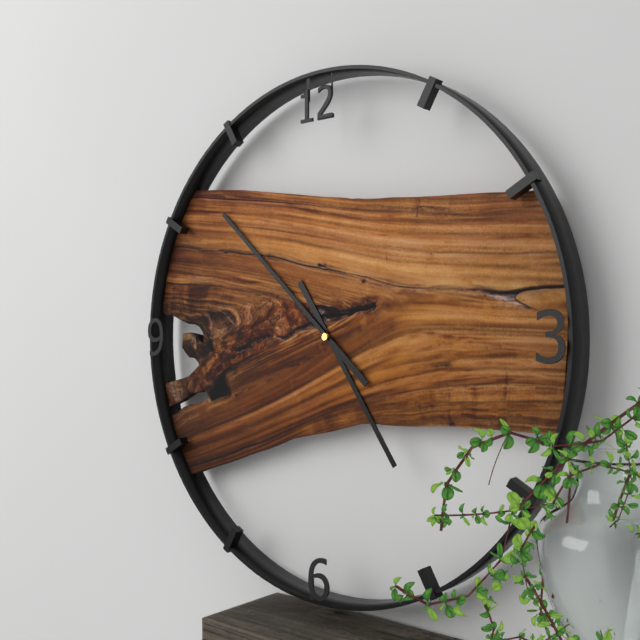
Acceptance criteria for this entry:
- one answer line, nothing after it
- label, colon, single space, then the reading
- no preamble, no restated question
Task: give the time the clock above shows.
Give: 4:52
